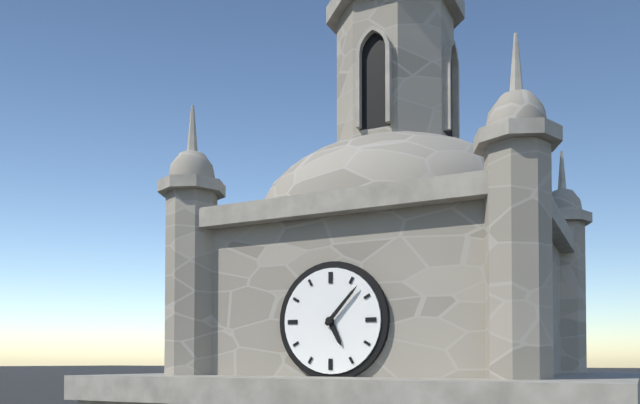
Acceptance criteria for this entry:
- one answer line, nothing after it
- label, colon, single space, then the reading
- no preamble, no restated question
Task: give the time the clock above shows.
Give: 5:07
